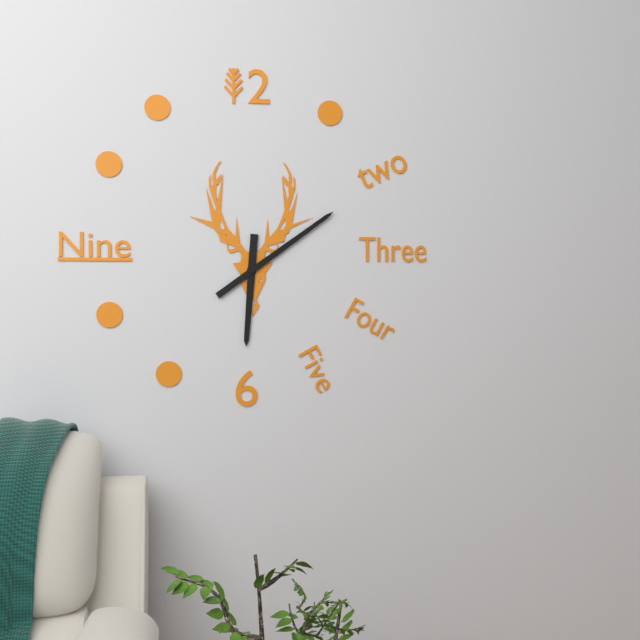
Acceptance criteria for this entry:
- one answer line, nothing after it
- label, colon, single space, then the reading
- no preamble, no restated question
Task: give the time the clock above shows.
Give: 6:09
